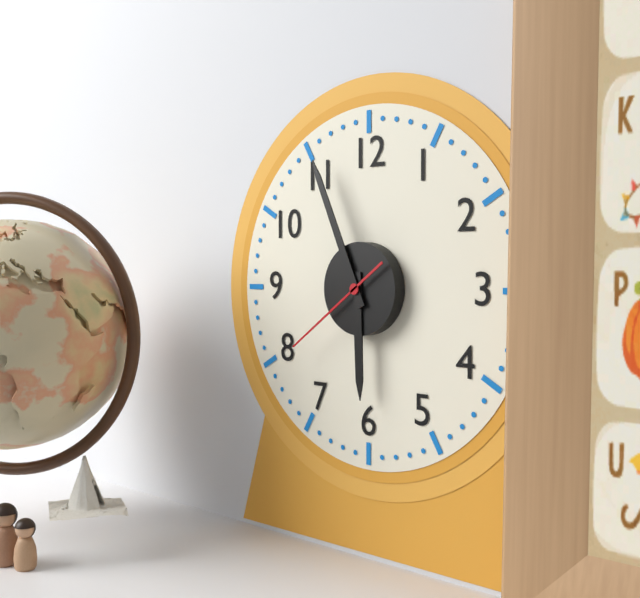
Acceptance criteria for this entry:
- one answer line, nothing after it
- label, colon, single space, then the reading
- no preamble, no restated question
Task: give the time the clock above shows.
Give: 5:56:39
